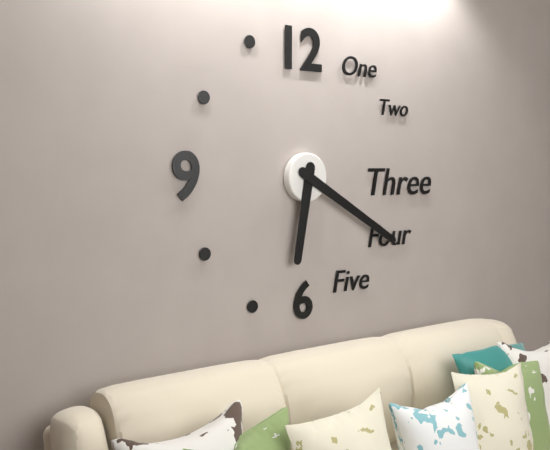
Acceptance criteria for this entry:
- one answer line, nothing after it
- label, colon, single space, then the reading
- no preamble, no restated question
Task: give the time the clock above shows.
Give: 6:20
